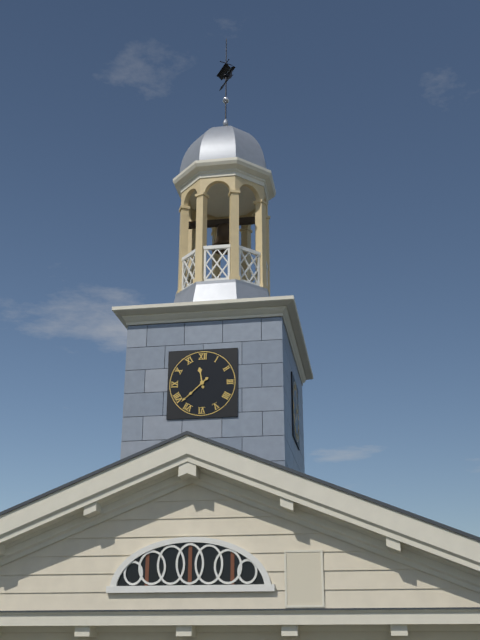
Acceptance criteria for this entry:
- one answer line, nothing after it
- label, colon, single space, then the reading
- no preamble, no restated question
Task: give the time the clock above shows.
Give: 11:38
